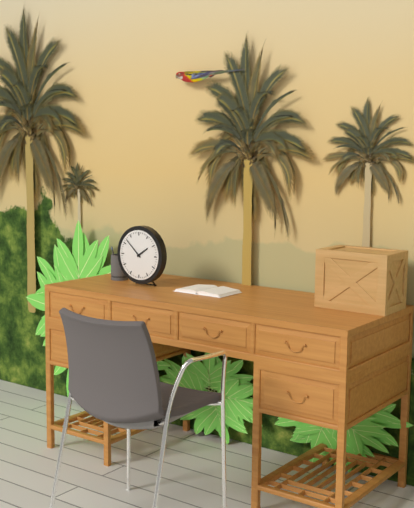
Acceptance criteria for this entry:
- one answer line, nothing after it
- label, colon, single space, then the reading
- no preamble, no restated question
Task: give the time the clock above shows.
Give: 1:52
